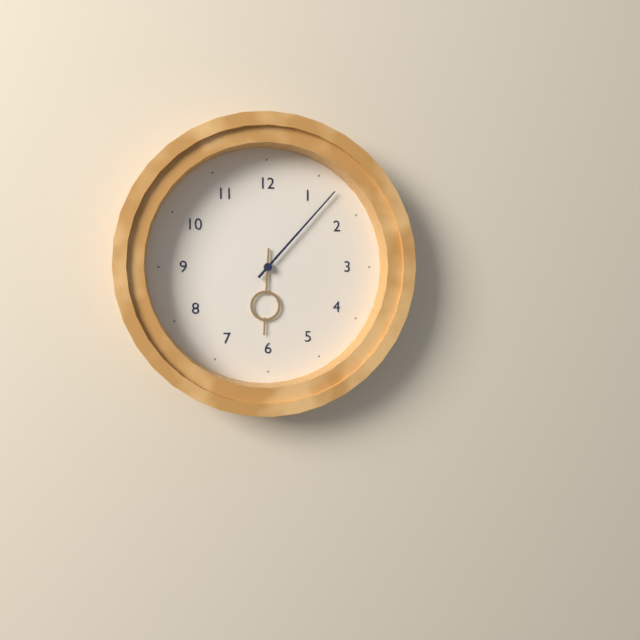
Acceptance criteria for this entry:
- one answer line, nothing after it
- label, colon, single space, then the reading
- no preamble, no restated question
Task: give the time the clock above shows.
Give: 6:07
